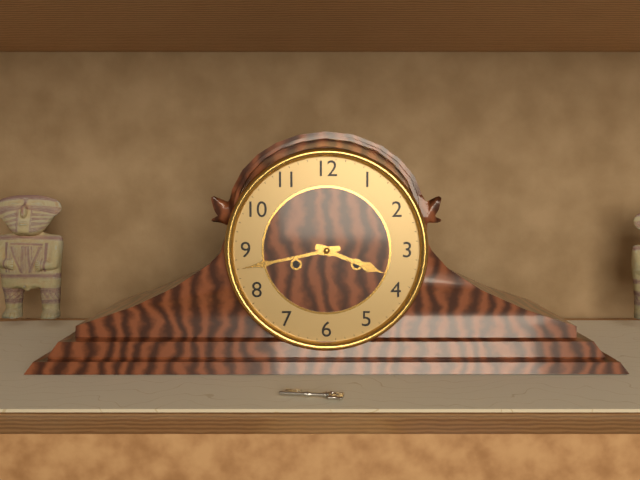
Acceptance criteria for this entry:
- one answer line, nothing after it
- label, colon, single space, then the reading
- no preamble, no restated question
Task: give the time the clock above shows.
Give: 3:43
